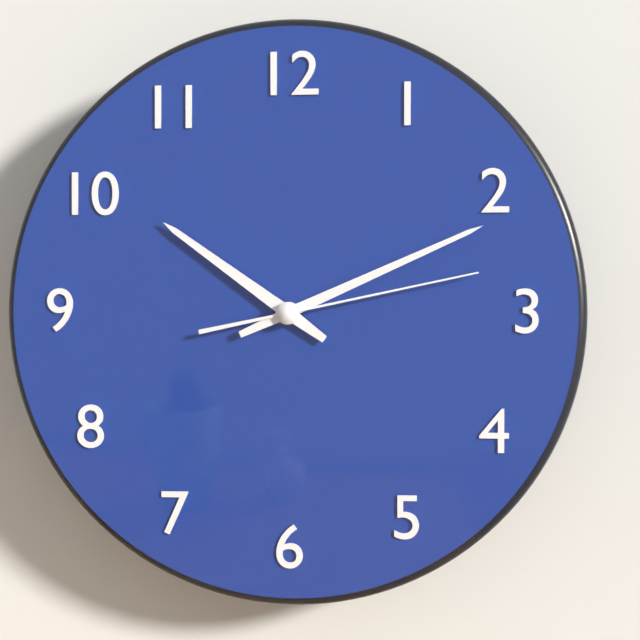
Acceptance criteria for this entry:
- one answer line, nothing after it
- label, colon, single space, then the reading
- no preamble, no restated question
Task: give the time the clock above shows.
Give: 10:11:13
